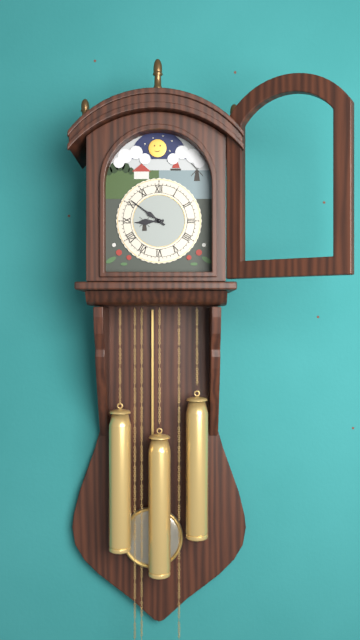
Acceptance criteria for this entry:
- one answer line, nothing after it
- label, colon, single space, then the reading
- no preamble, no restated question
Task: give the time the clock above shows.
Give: 8:51
